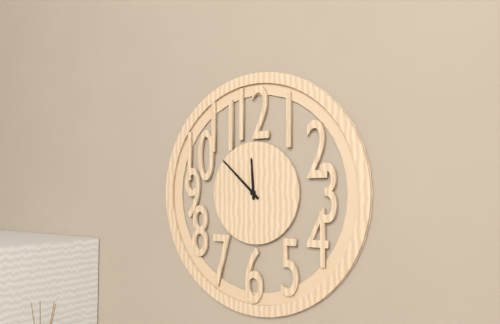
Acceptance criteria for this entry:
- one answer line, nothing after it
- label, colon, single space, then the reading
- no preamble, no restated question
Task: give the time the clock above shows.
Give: 11:52
